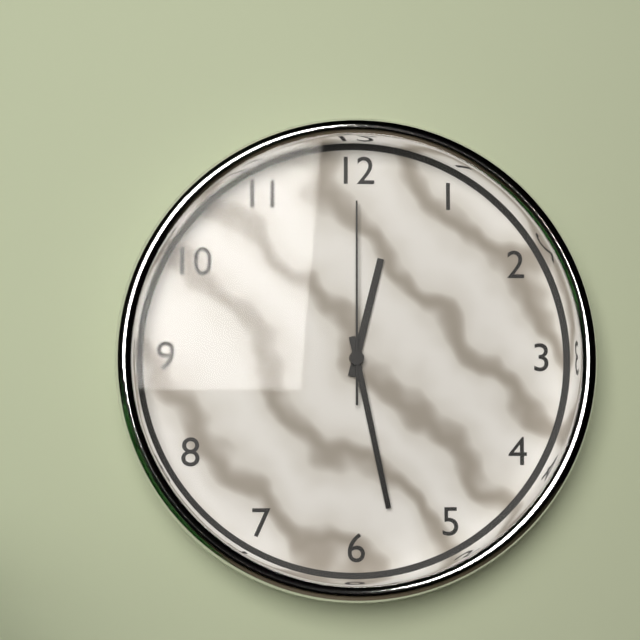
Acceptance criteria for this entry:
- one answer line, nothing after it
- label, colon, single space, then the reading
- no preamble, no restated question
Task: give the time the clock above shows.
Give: 12:28:00
